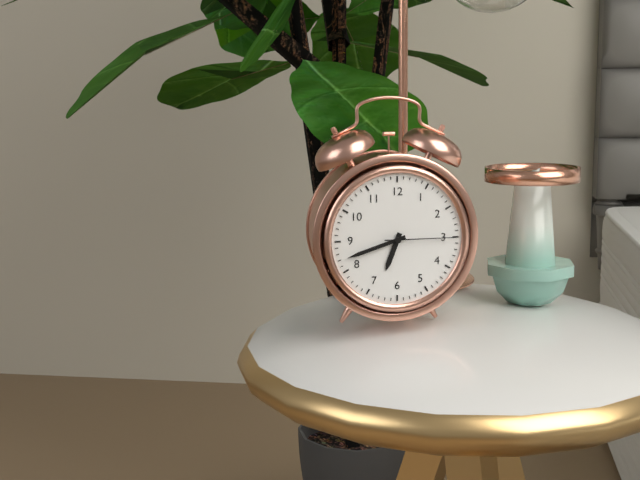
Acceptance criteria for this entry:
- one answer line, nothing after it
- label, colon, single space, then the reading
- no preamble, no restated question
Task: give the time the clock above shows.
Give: 6:42:15
